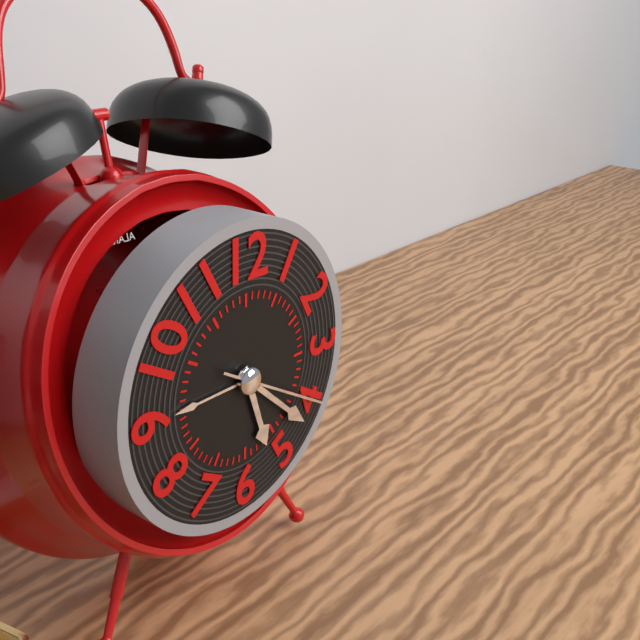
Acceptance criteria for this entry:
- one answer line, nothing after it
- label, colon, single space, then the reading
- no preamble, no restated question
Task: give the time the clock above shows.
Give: 5:22:20
